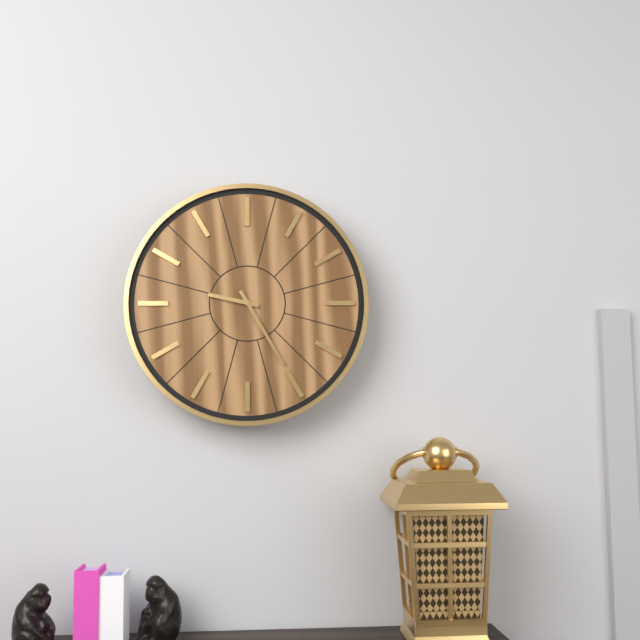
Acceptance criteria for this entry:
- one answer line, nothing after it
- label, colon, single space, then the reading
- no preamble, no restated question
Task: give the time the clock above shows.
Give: 9:25
